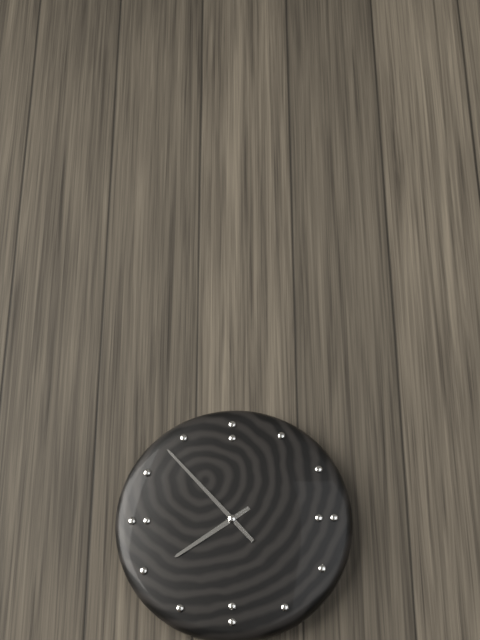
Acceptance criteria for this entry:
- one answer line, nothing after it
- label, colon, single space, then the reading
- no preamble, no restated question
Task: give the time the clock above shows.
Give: 7:53
